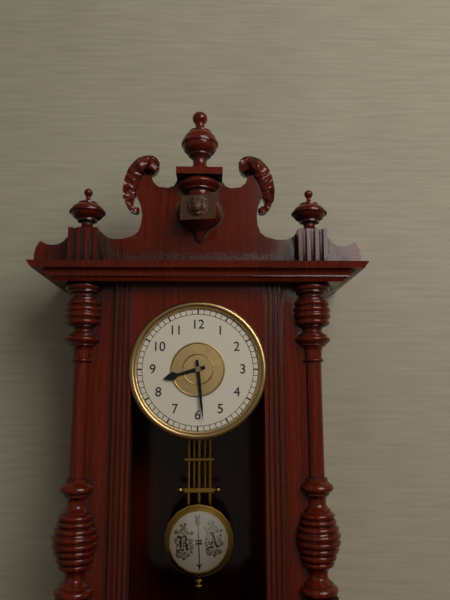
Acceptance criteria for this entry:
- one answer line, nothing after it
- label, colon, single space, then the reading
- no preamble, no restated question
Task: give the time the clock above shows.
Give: 8:29
